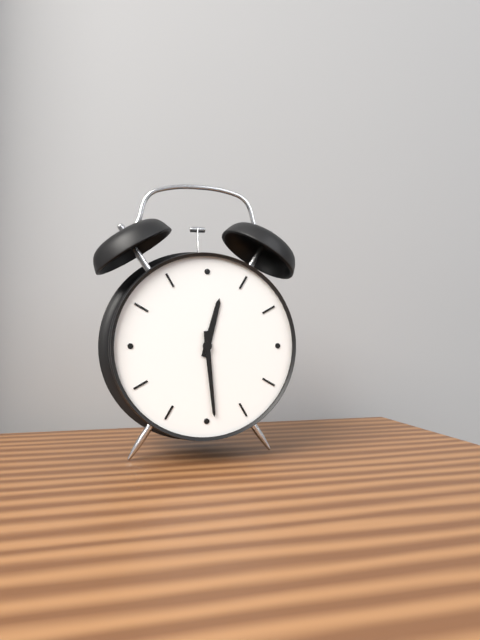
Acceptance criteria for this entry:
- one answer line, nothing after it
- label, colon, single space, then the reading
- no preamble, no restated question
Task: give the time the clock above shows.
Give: 12:29
